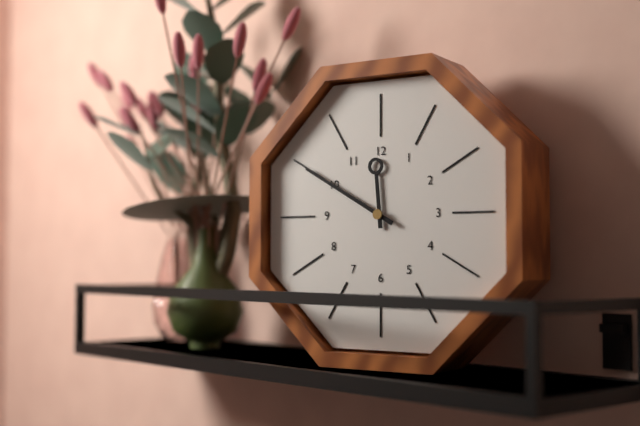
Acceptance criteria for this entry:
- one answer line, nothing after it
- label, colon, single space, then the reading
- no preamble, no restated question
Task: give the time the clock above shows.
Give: 11:50
